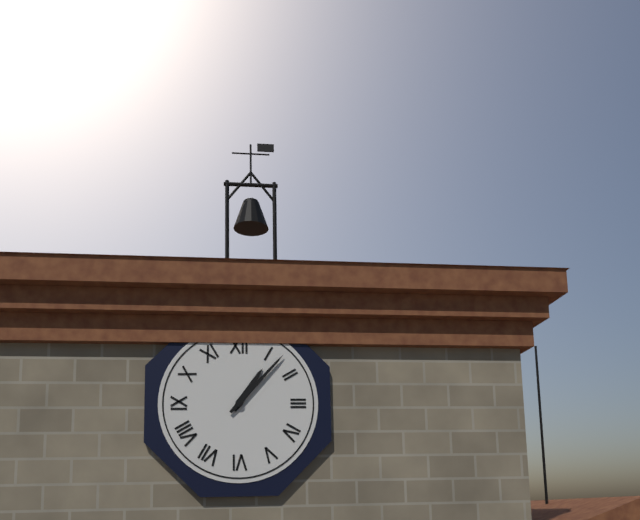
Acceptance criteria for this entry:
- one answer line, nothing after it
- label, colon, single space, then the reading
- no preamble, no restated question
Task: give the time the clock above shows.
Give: 1:07
